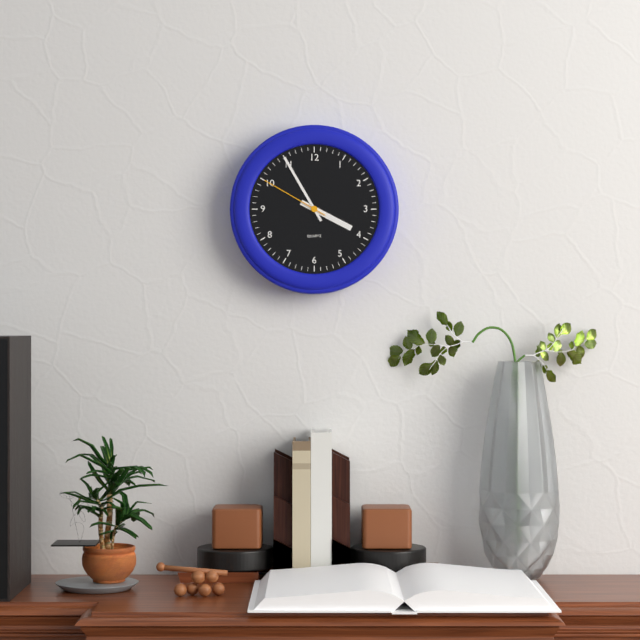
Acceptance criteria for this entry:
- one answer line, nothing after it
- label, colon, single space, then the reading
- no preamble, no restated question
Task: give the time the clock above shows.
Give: 3:55:50
